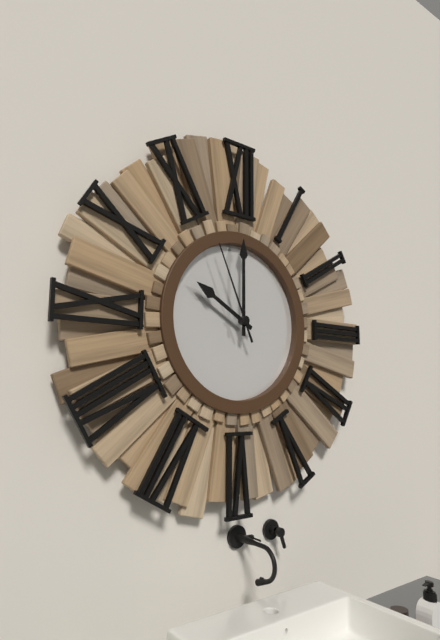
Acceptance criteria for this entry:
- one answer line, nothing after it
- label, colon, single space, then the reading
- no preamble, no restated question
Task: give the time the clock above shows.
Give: 10:00:56
